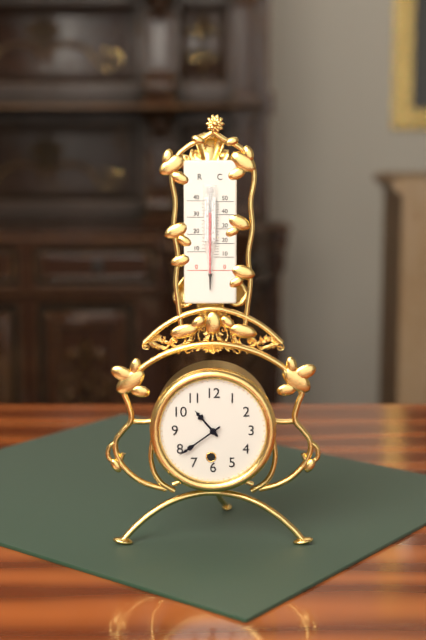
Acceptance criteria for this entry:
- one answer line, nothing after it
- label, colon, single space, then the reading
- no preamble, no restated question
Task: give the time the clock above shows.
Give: 10:39
